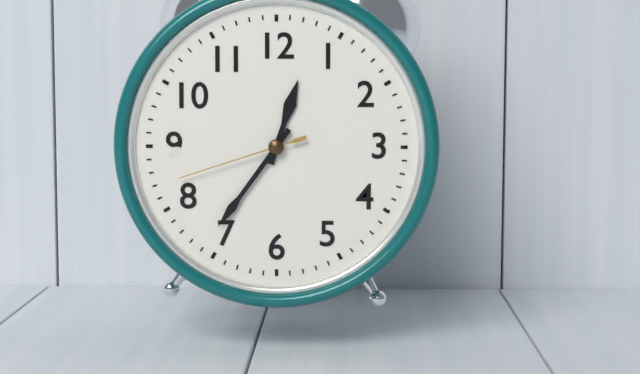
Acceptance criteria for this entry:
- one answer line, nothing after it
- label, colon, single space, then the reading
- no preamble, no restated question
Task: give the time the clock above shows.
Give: 12:36:42
